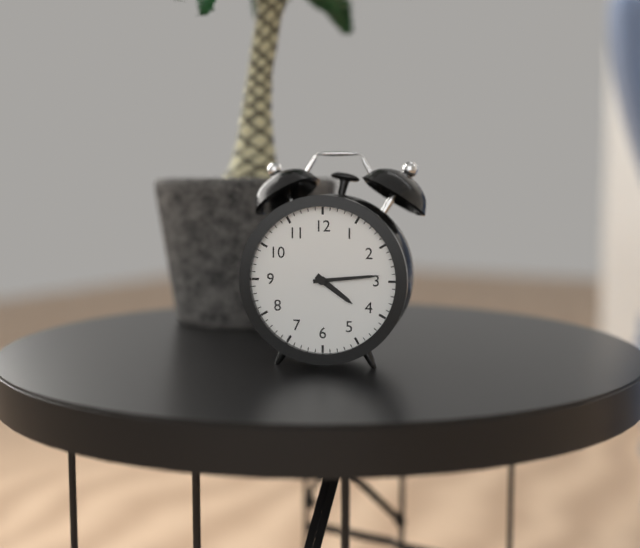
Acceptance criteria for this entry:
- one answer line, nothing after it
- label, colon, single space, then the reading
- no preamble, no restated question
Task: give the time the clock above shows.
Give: 4:14
